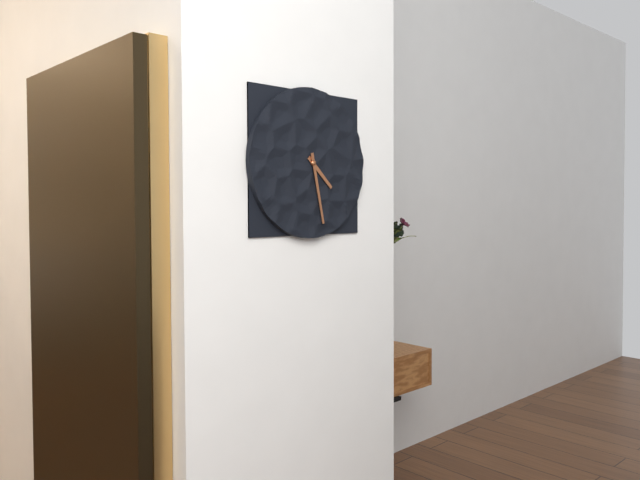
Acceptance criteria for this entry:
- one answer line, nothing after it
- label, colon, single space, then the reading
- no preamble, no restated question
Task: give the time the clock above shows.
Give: 4:28
